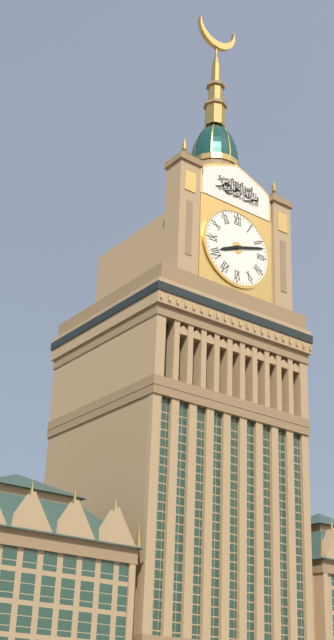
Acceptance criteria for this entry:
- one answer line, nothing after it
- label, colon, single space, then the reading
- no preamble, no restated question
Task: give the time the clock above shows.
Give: 8:12
